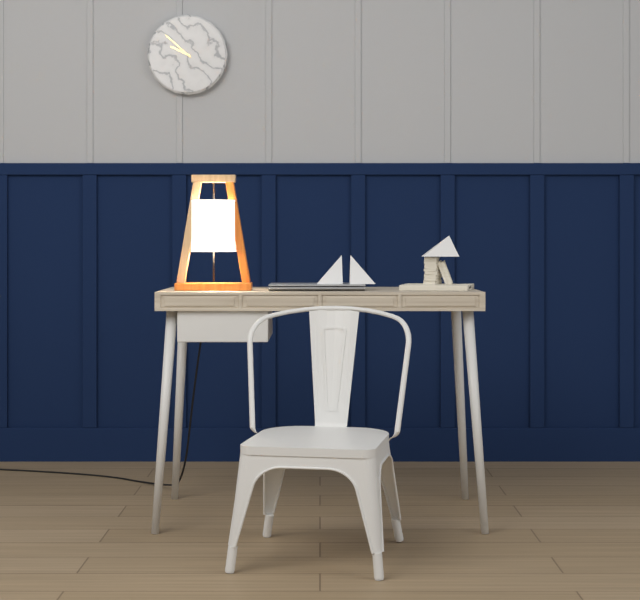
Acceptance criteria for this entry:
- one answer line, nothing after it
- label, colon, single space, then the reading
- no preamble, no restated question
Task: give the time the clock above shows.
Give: 9:52
